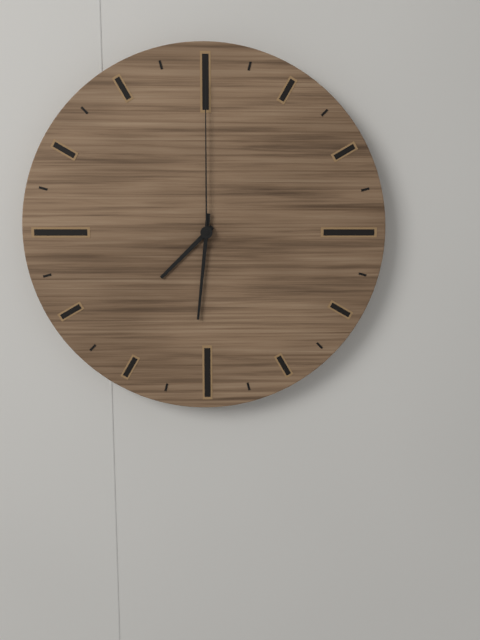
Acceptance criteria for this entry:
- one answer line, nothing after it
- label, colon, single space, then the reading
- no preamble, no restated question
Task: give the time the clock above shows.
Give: 7:31:00
